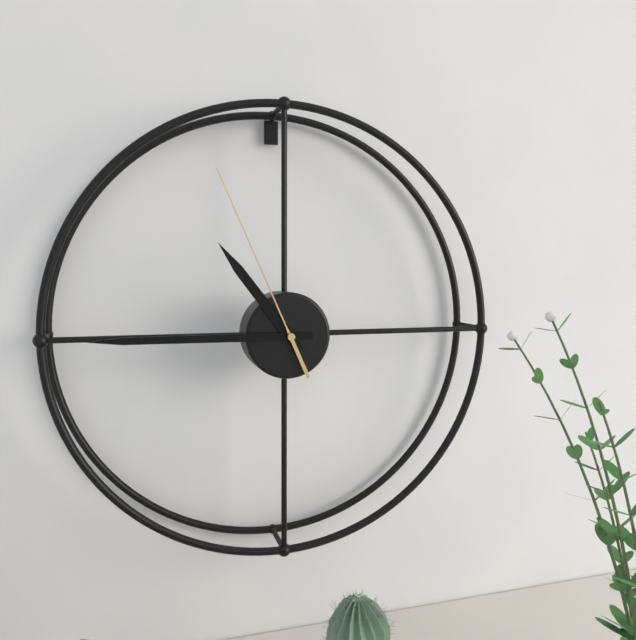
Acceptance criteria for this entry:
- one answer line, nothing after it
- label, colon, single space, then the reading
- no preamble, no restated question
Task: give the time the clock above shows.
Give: 10:45:56
